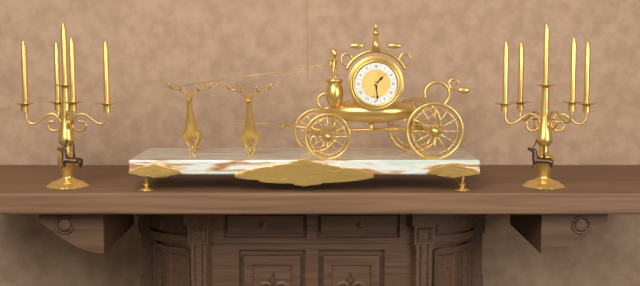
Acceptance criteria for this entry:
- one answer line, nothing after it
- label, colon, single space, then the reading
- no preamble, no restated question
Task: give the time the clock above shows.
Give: 1:29
